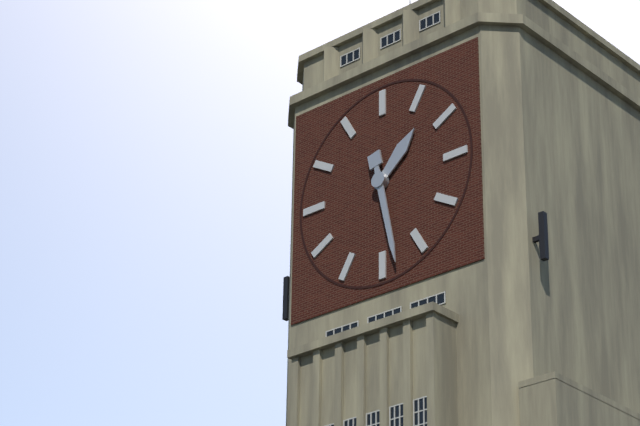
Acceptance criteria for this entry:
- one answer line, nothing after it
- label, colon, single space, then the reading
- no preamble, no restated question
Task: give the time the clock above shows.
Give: 1:28
